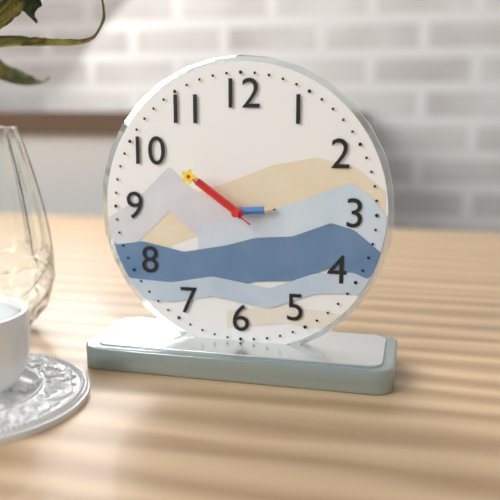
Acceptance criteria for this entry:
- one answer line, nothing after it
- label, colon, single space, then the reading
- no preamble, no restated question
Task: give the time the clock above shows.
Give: 2:51:51
